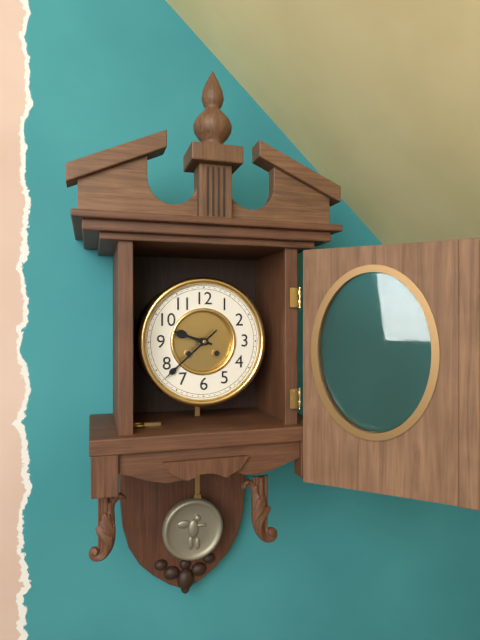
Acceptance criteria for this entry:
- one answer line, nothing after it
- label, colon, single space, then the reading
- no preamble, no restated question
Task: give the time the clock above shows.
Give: 9:38
